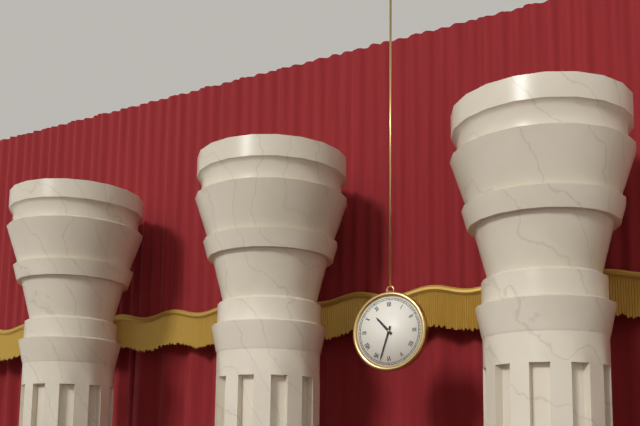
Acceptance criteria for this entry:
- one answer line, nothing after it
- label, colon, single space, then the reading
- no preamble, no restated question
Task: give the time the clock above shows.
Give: 10:33
